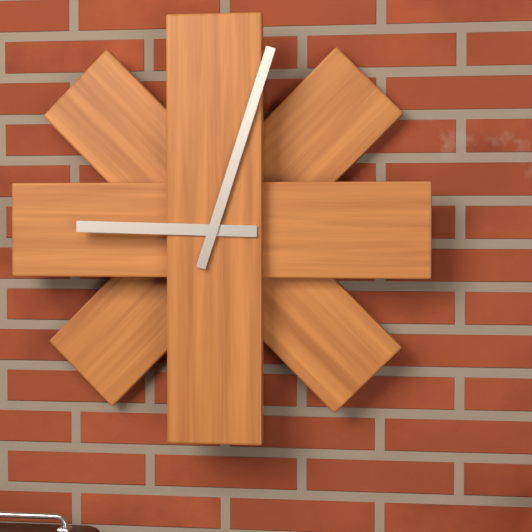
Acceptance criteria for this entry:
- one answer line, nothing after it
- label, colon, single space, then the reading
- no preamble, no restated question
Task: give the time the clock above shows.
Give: 9:03
